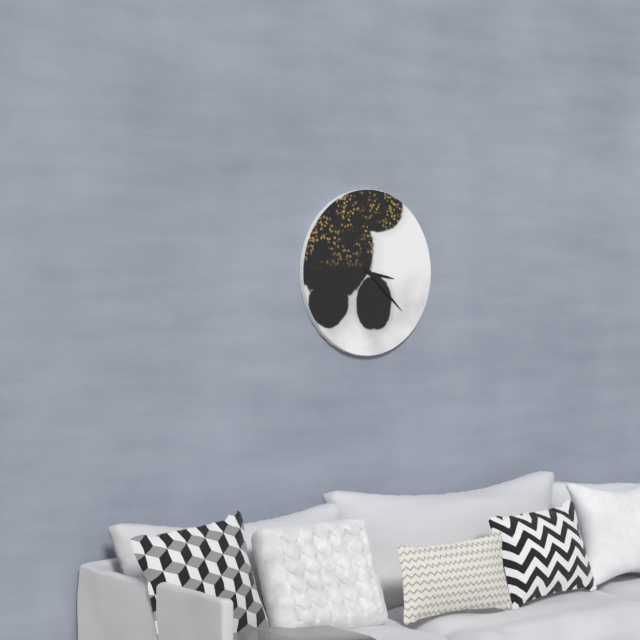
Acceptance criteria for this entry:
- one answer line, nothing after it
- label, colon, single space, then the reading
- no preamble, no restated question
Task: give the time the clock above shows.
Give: 3:22
